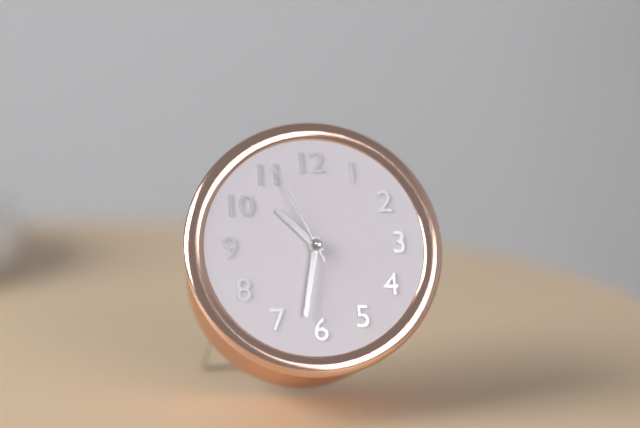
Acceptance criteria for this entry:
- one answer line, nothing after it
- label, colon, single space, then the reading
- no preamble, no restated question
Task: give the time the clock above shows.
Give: 10:32:56
